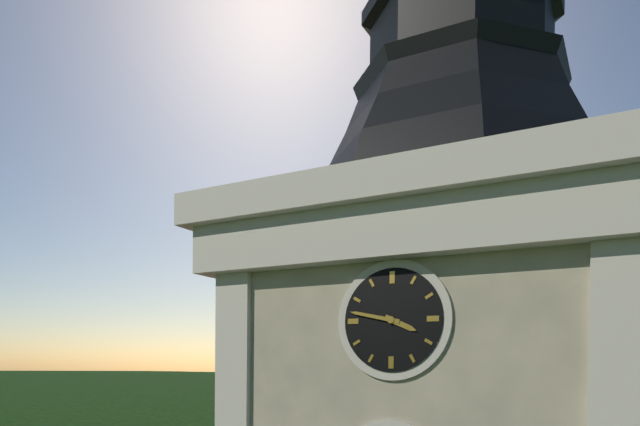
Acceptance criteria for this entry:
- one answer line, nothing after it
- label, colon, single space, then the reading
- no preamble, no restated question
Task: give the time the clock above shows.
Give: 3:47
